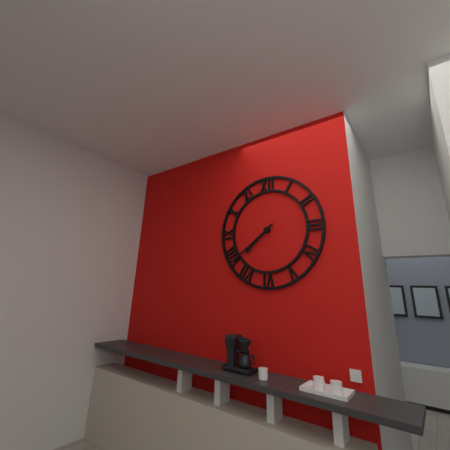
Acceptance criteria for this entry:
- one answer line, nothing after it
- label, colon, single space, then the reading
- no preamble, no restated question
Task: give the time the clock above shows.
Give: 7:39
